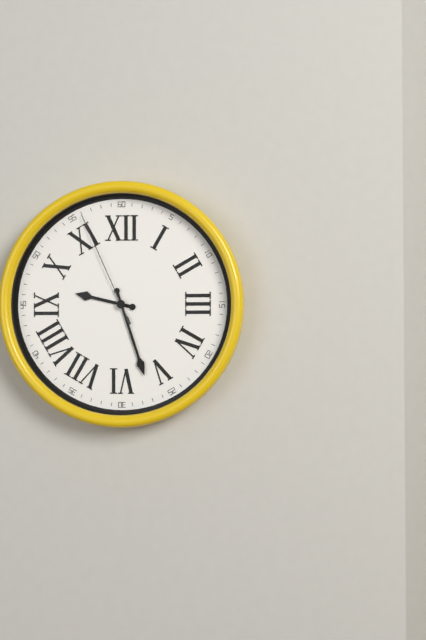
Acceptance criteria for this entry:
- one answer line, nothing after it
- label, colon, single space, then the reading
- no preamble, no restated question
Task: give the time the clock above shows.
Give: 9:27:56
